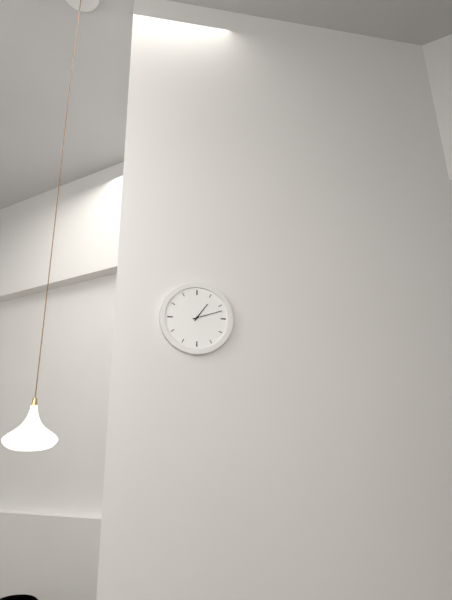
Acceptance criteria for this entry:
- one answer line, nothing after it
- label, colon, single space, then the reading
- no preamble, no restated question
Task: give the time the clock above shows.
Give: 1:12
